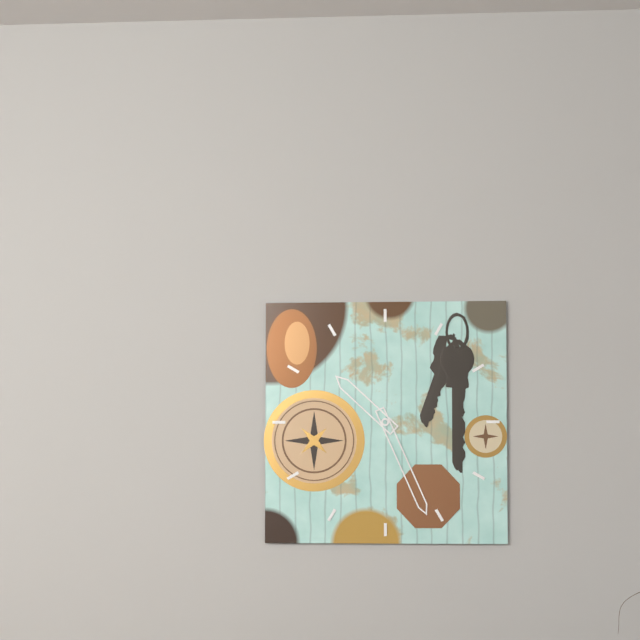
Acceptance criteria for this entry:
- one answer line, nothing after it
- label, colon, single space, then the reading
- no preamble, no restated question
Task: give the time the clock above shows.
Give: 10:26
